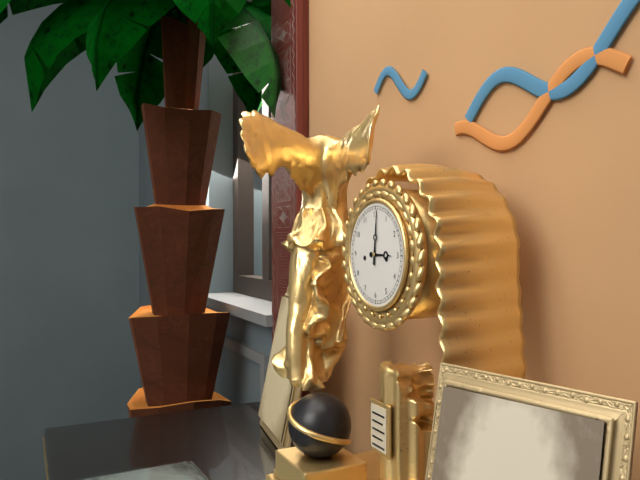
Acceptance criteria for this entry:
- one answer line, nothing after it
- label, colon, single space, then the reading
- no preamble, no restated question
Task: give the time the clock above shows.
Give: 3:01
